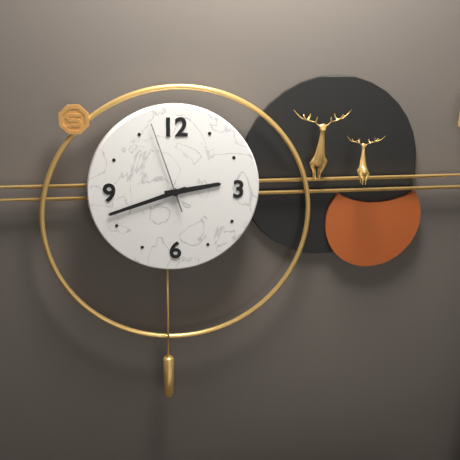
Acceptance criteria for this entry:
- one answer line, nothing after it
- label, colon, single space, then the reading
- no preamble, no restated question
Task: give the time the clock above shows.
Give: 2:42:57
